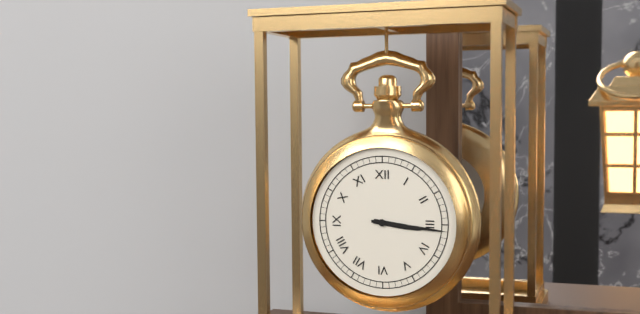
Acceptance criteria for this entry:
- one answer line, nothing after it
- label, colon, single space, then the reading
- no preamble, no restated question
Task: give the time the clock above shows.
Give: 3:16
